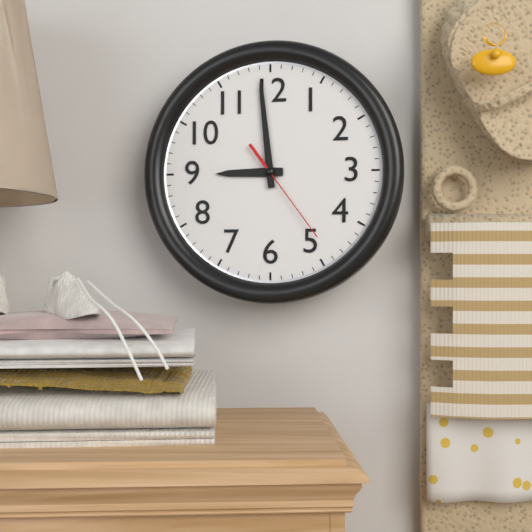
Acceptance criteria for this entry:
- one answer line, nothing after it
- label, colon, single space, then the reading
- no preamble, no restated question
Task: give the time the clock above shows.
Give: 8:59:24
